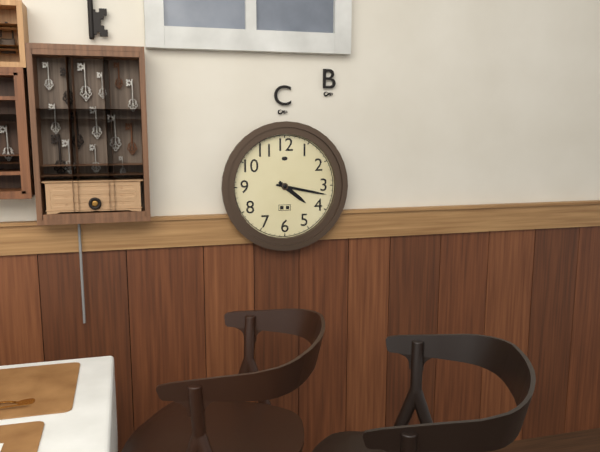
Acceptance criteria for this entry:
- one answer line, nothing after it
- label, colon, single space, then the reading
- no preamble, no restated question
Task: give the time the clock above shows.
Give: 4:17
